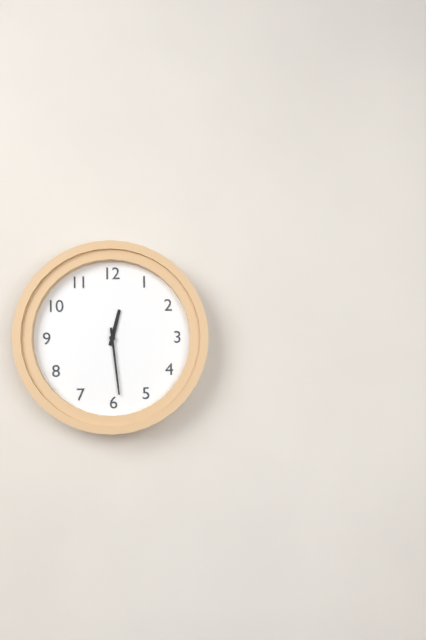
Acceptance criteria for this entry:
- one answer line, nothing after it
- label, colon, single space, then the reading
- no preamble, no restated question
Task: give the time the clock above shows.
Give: 12:29
